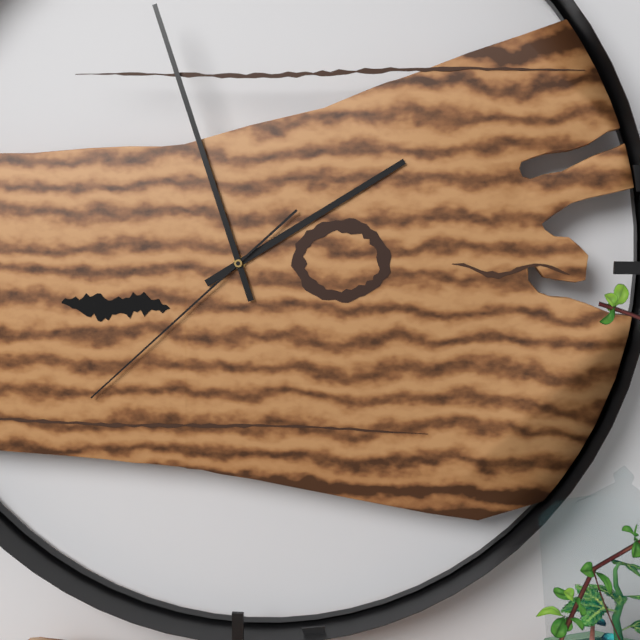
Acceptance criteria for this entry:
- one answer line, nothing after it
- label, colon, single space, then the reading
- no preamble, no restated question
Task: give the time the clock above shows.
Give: 1:57:38
